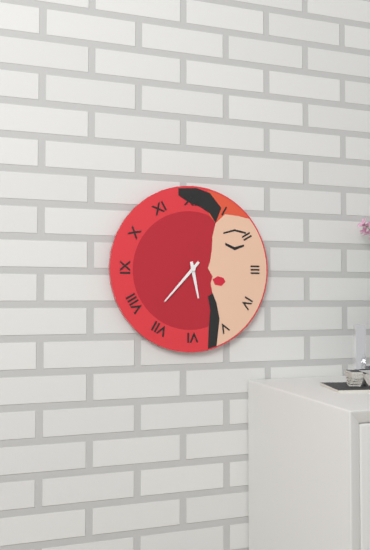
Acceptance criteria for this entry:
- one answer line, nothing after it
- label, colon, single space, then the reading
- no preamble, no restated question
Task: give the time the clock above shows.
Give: 5:37
